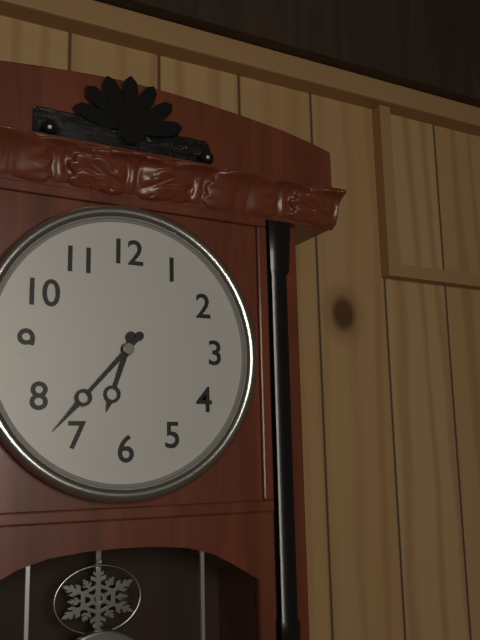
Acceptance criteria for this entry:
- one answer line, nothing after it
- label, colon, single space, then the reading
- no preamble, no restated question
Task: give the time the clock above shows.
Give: 6:37
